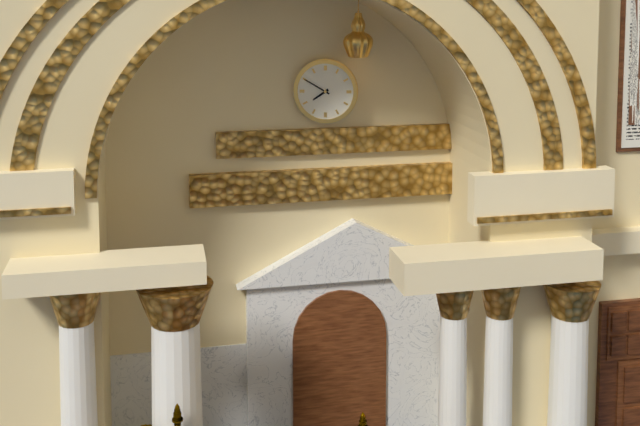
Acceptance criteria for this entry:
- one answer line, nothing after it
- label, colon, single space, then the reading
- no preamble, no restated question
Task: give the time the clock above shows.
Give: 7:50
